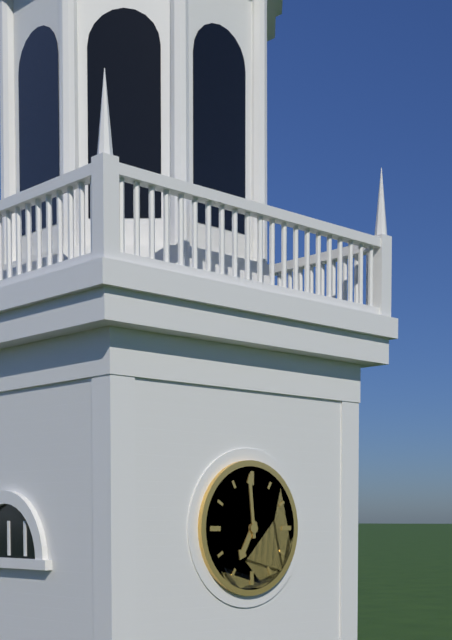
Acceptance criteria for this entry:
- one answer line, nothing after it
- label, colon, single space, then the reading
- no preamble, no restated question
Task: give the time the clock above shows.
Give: 6:59
